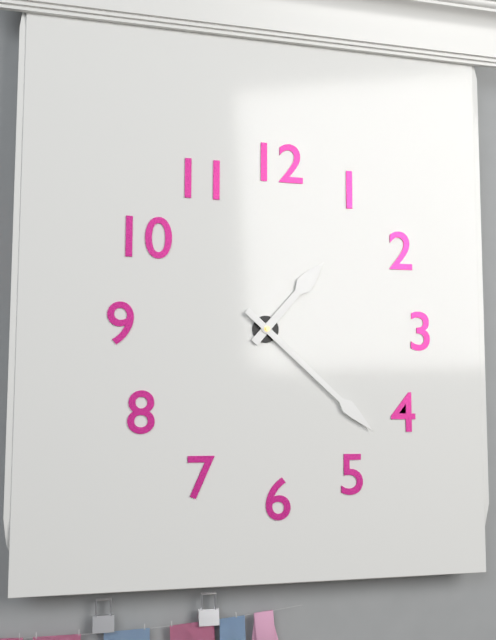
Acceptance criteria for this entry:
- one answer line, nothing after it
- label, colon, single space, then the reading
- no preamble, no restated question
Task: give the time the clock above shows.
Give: 1:22
